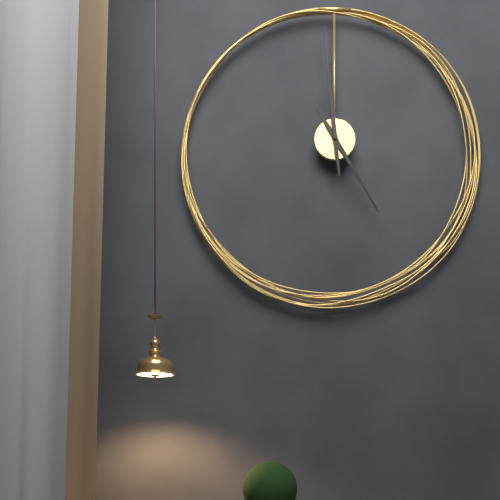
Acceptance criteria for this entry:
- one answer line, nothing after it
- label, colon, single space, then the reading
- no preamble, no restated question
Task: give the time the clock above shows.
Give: 4:59
